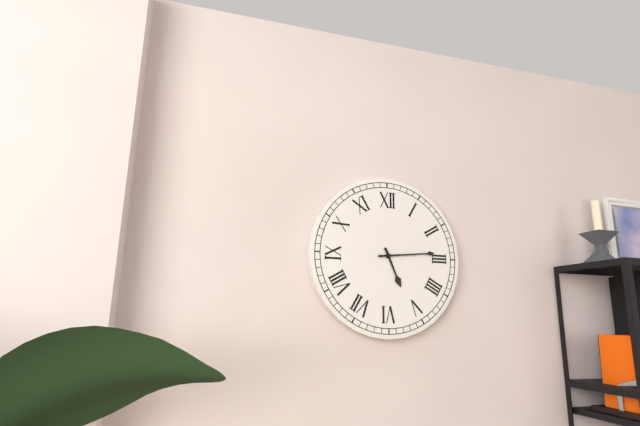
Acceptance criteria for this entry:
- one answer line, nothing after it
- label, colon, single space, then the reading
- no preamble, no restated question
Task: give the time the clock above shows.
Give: 5:14
